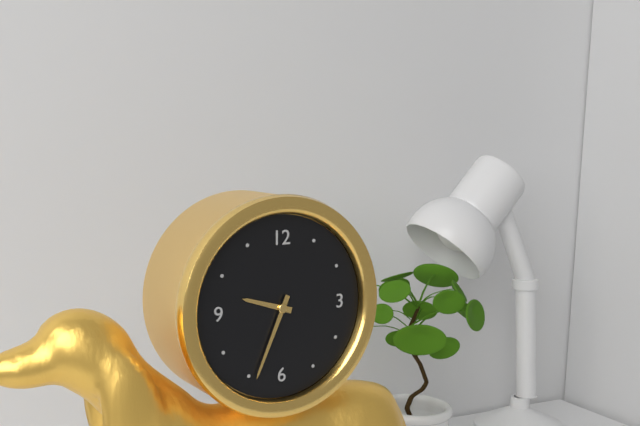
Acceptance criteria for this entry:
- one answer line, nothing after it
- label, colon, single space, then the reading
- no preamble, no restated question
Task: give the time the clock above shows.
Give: 9:34
